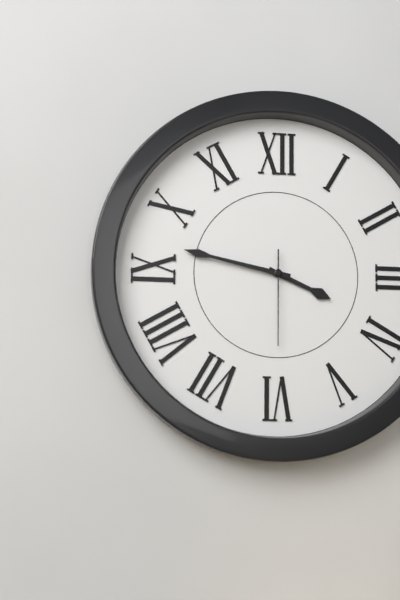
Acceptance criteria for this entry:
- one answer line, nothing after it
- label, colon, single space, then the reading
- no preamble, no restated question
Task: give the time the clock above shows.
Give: 3:47:30
